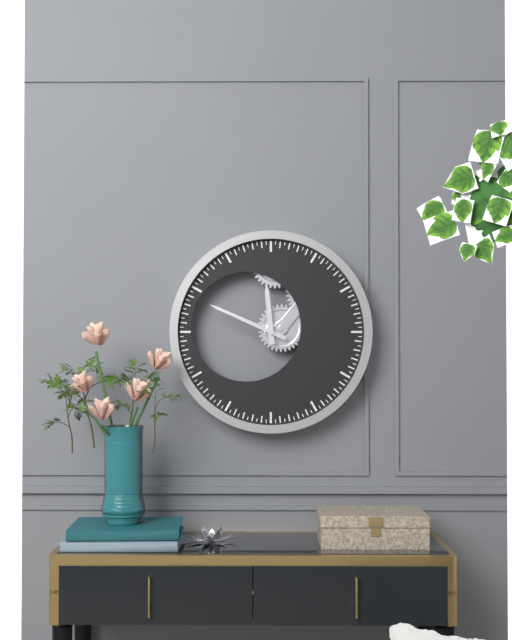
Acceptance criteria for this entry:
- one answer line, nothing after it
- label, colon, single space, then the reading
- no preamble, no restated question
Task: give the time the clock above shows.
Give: 11:49
